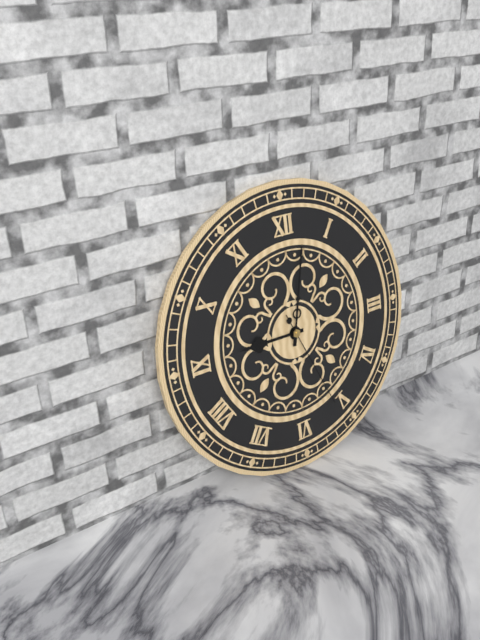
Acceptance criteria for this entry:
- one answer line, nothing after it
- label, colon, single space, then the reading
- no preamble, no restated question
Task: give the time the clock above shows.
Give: 9:02:26
